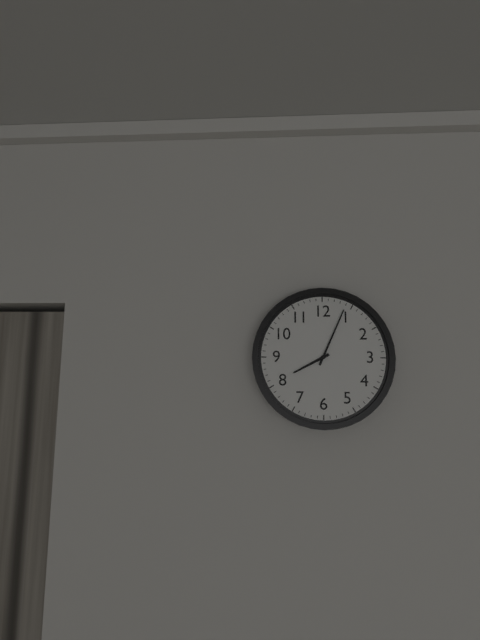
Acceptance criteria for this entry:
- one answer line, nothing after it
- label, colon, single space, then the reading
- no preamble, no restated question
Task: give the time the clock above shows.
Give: 8:04
